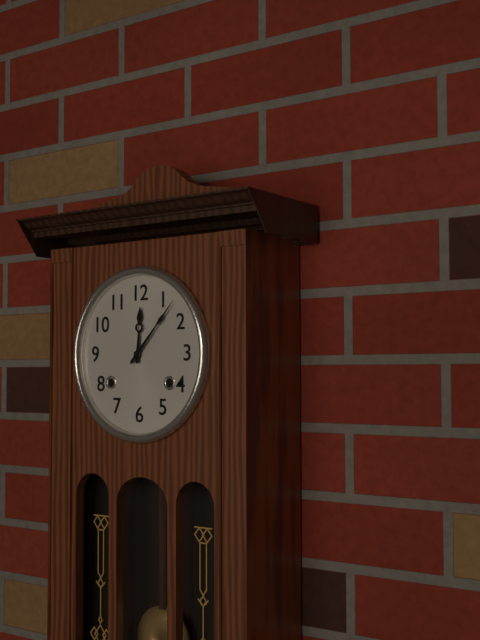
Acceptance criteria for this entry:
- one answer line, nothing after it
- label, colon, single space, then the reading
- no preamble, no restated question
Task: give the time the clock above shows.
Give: 12:07
